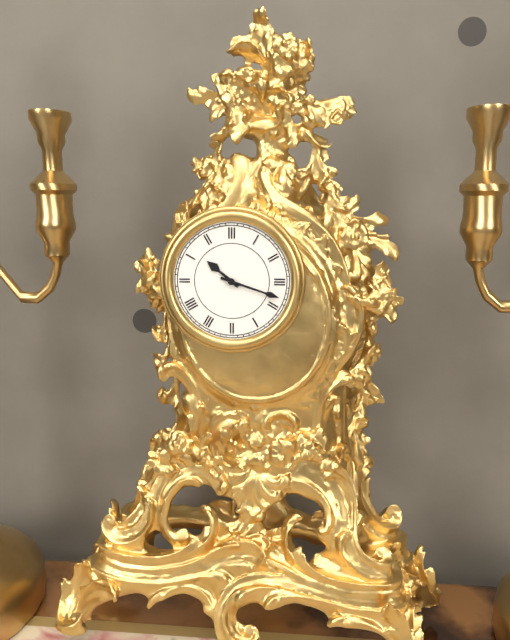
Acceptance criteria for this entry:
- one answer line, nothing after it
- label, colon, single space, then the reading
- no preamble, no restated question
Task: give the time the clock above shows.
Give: 10:18
